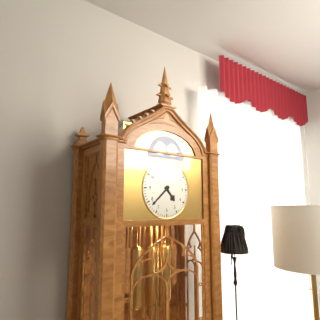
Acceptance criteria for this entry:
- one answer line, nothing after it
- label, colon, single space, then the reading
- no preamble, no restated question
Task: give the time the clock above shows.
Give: 4:38
